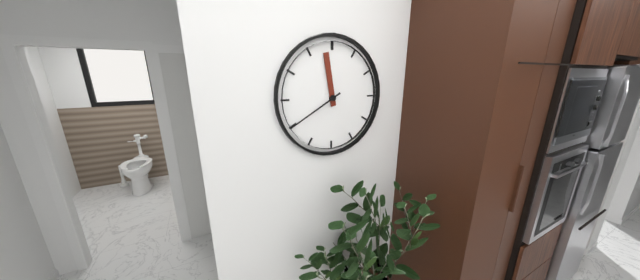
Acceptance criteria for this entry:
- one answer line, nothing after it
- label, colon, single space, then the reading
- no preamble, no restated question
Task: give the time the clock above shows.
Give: 11:40
